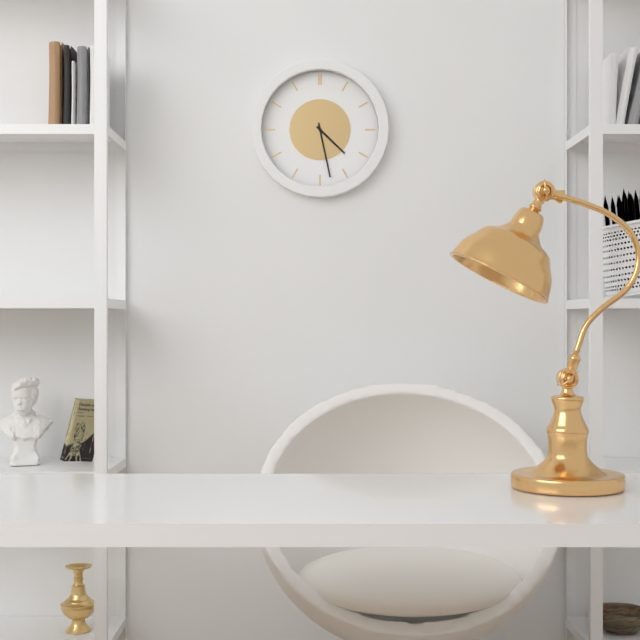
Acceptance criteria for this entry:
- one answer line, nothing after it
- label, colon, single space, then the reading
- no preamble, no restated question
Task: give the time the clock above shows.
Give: 4:28
